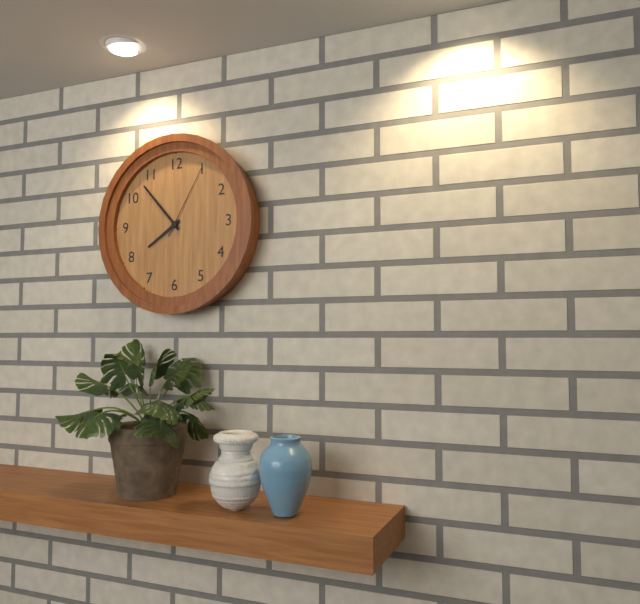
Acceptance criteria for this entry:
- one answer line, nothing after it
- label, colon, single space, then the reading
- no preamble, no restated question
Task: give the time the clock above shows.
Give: 7:53:05
